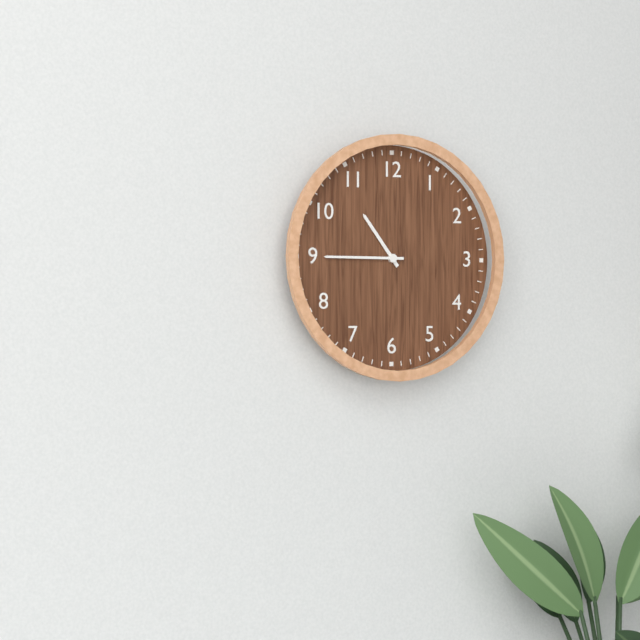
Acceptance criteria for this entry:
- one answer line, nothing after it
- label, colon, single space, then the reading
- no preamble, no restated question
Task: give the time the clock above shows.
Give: 10:45
